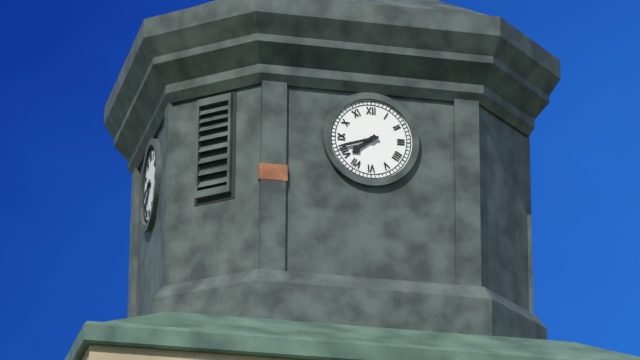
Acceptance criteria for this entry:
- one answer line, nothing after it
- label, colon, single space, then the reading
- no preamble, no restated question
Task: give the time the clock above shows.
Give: 7:42
